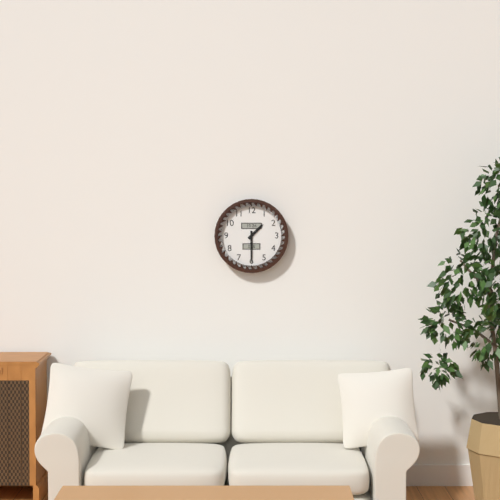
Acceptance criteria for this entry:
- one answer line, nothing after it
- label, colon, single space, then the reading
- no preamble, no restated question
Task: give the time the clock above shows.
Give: 1:30
